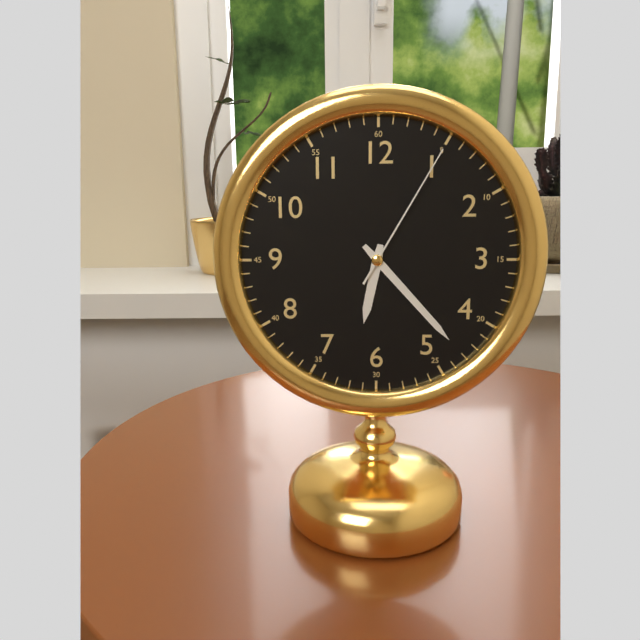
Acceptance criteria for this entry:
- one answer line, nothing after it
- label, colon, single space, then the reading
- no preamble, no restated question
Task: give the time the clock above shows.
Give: 6:23:05
